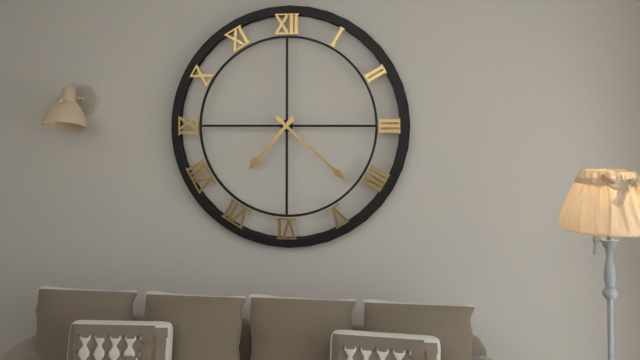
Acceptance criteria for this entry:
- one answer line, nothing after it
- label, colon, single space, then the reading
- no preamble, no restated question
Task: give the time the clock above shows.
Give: 7:22
